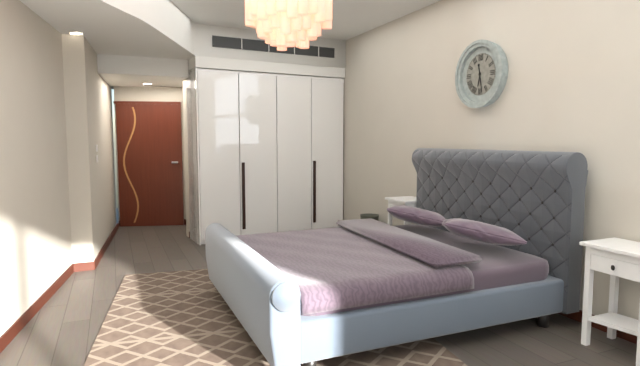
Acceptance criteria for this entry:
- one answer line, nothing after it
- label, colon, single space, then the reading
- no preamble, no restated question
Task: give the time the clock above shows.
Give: 6:28
